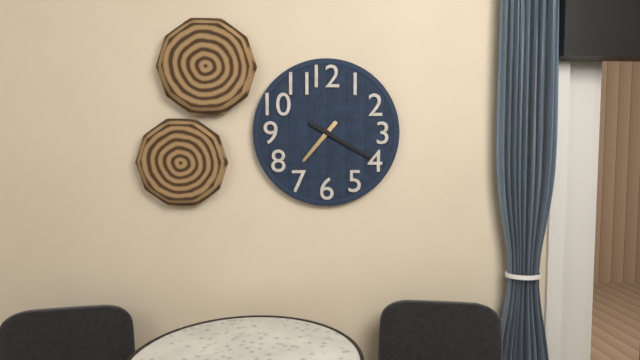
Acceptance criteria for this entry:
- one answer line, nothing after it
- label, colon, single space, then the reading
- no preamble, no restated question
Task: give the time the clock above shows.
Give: 7:20
